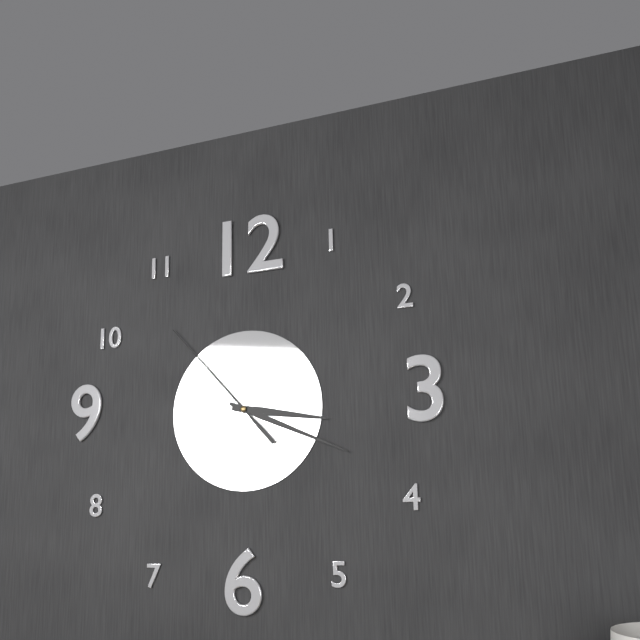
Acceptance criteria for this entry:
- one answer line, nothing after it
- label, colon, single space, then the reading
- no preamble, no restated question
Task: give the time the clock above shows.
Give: 3:19:53
